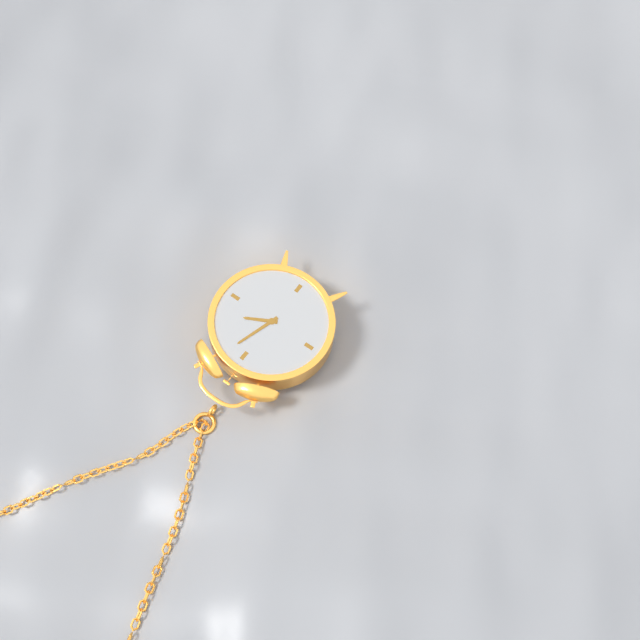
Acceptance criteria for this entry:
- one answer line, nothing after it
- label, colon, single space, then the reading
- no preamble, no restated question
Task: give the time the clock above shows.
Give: 2:03
